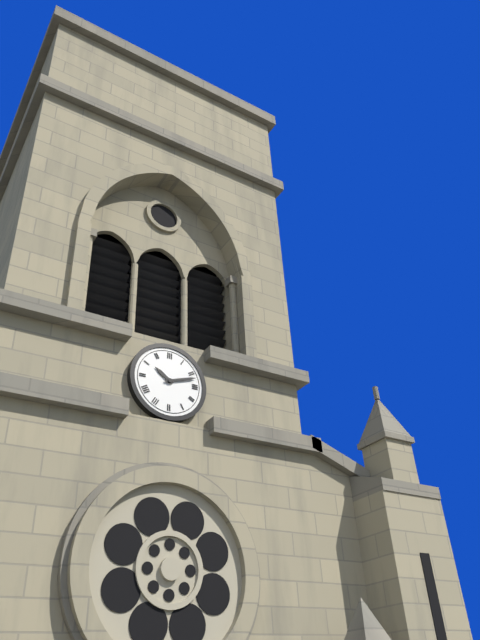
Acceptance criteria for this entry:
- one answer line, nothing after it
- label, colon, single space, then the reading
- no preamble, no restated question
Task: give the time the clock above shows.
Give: 10:12
